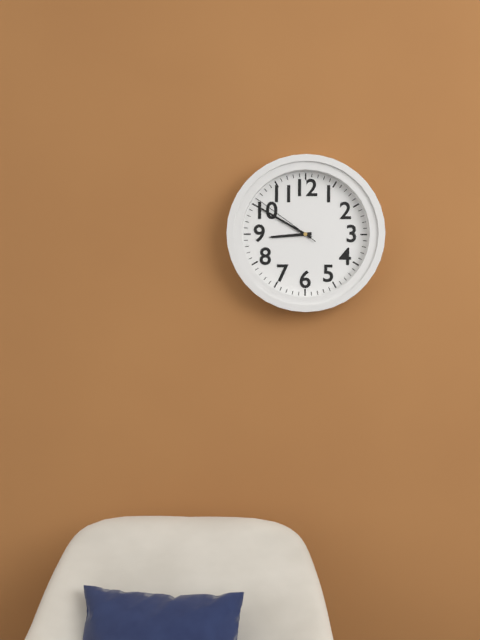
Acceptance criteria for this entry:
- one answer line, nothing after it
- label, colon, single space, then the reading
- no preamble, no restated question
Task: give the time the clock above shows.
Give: 8:50:51
